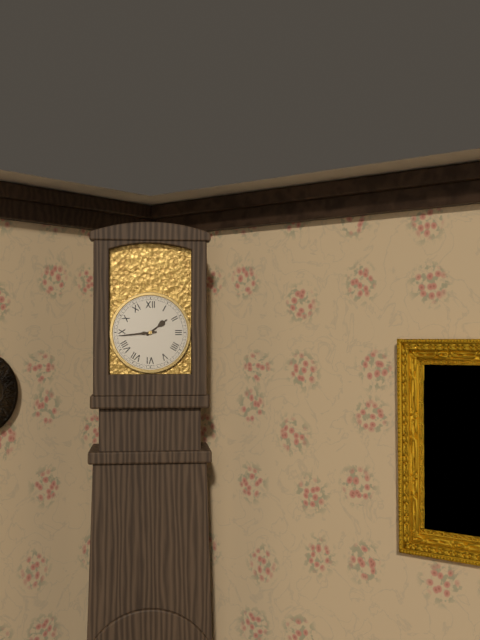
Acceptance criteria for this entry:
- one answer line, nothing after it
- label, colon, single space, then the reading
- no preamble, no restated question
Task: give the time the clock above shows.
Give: 1:44
